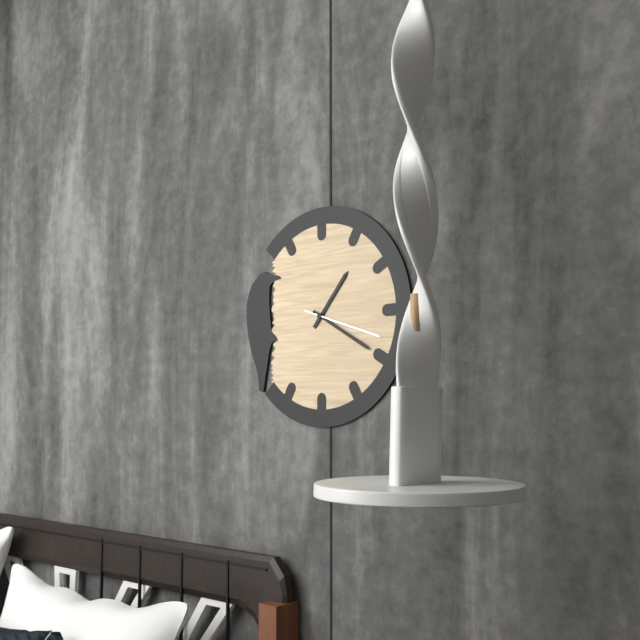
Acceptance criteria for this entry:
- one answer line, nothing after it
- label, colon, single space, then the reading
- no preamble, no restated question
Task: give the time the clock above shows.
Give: 1:20:18
